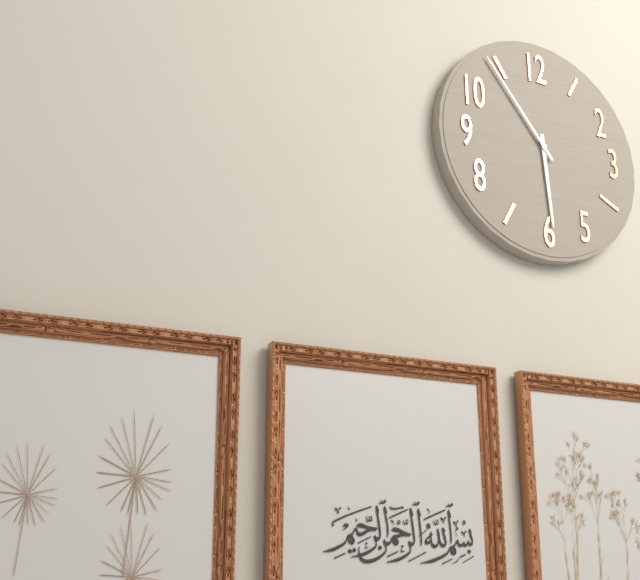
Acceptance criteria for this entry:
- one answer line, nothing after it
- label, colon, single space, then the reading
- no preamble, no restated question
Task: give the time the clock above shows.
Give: 5:54
